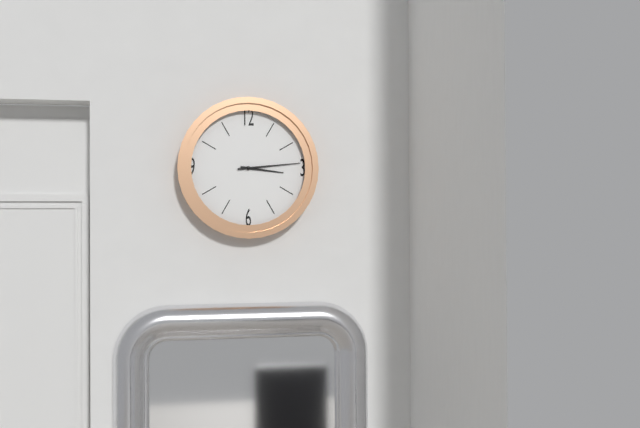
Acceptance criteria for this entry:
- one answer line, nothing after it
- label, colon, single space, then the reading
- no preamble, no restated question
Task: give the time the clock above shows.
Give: 3:14
